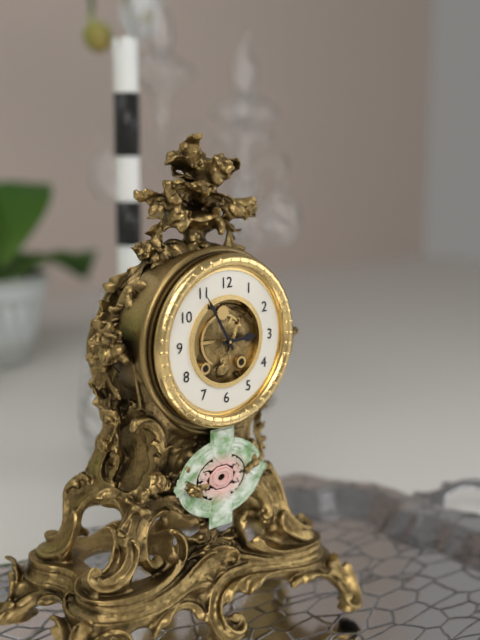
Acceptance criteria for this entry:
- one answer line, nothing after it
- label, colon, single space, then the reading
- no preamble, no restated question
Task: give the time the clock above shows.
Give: 2:55
